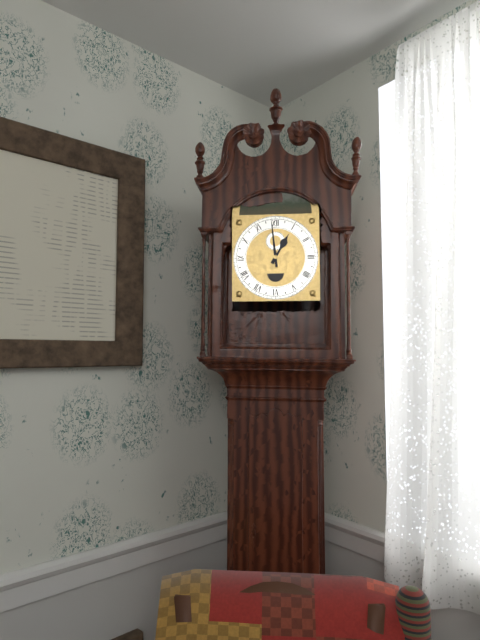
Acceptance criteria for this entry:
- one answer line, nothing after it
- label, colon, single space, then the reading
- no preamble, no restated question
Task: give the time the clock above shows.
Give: 12:59
